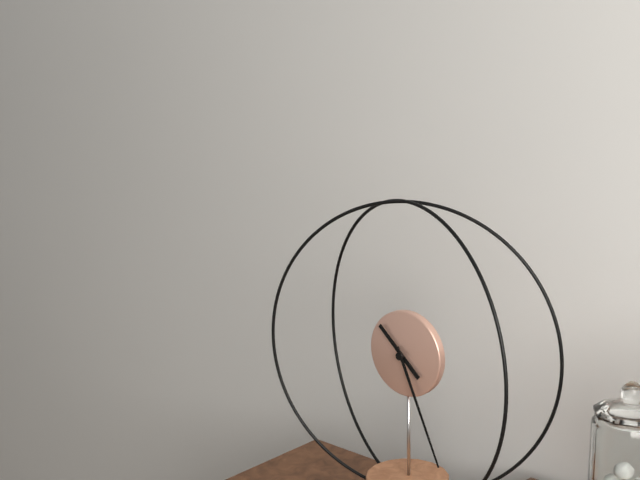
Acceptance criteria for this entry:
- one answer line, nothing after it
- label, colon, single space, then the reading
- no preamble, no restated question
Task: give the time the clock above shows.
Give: 10:26
